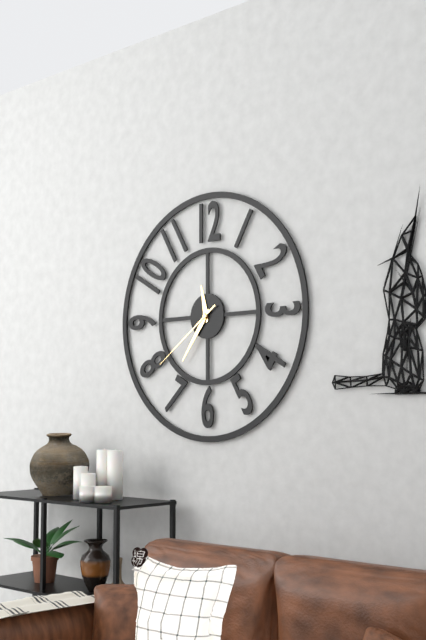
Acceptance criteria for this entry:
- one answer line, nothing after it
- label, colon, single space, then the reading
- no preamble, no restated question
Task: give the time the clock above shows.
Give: 11:36:39
